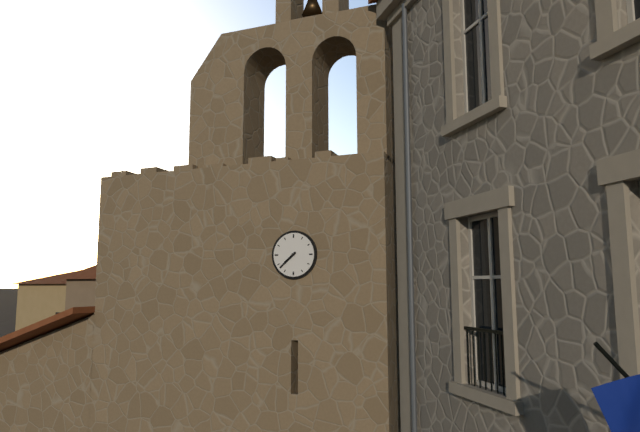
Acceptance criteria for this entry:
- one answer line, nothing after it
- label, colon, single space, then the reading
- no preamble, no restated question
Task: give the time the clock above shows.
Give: 7:38
